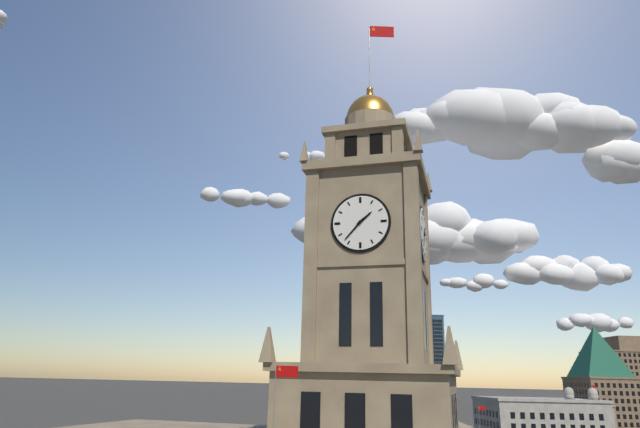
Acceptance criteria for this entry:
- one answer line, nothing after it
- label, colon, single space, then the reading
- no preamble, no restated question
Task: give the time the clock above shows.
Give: 1:37
